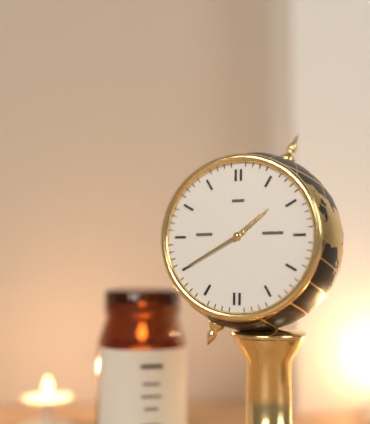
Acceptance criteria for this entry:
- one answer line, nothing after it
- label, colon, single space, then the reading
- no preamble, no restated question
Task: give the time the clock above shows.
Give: 1:40
